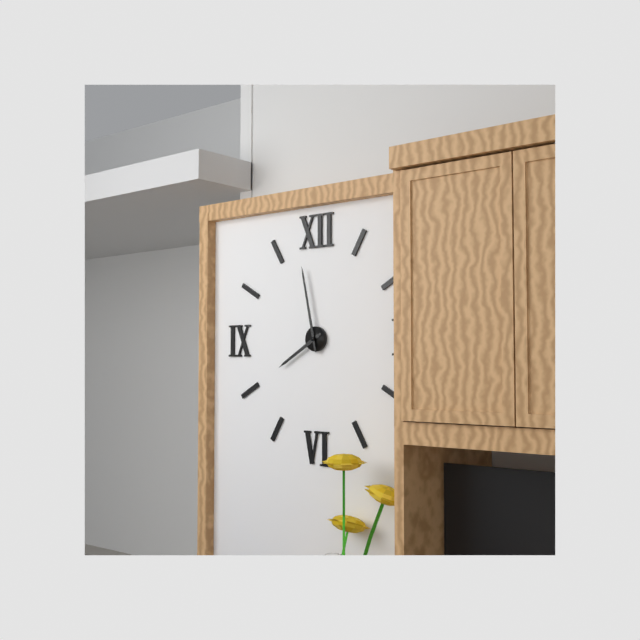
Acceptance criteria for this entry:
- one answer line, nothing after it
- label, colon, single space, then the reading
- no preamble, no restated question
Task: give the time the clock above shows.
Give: 7:58
